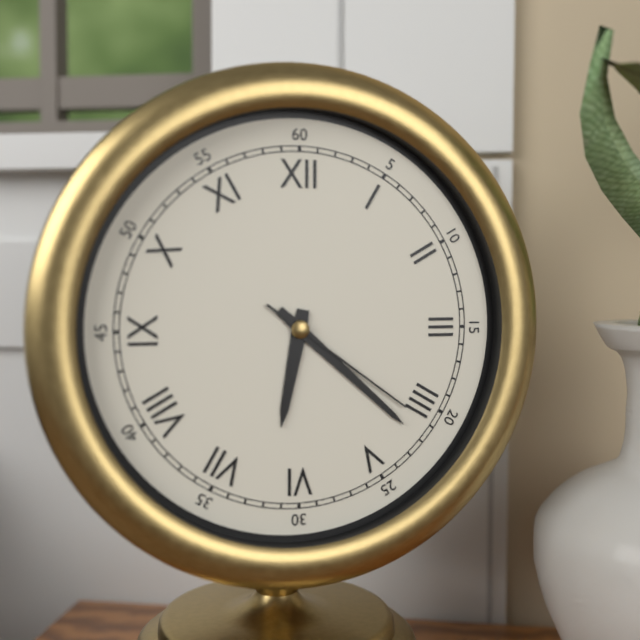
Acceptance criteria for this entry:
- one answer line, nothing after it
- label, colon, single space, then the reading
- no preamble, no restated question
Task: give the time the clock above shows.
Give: 6:22:21
